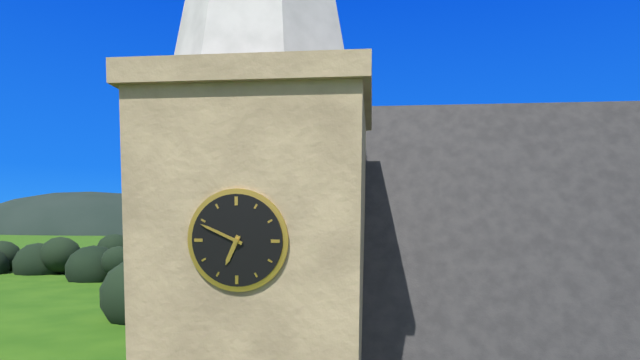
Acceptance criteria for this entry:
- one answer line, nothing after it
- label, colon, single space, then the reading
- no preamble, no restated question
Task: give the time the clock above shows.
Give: 6:49
